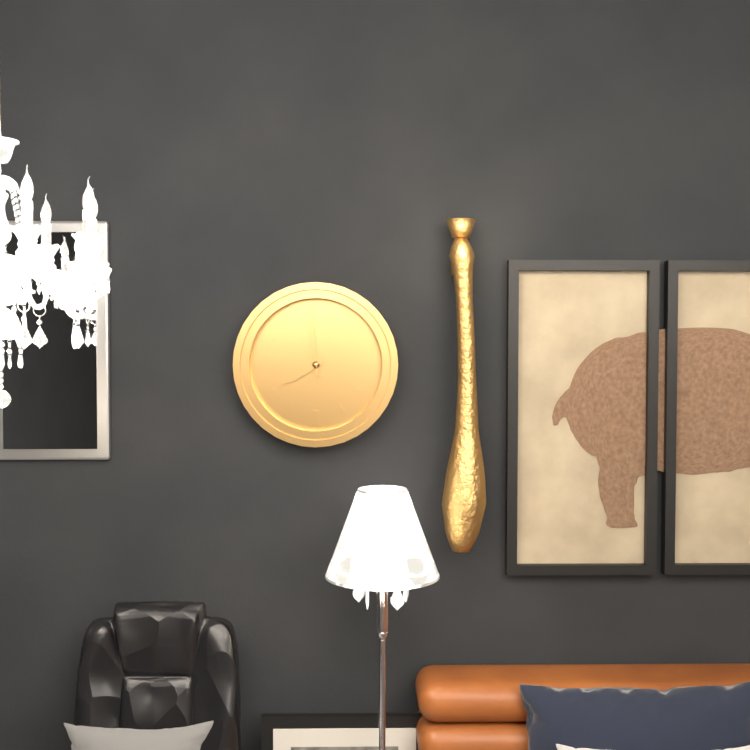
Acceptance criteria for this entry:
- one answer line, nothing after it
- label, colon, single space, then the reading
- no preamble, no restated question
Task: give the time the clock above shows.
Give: 7:59
